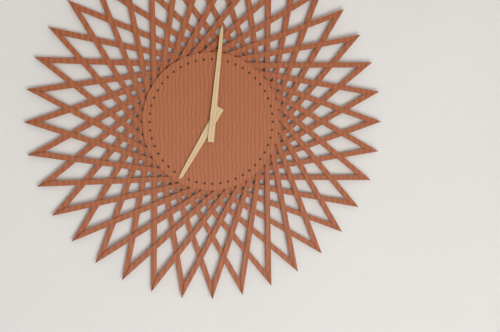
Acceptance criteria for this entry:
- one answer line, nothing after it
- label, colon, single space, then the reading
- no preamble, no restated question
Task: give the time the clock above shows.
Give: 7:01
